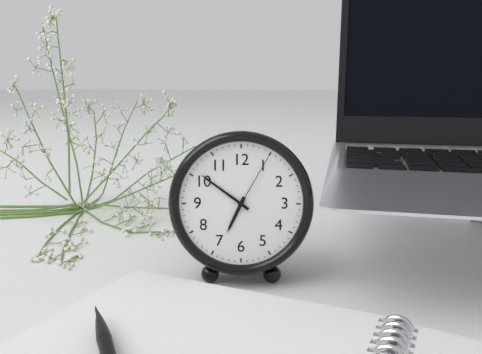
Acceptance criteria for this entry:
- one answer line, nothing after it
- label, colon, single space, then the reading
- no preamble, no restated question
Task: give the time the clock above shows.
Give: 6:51:05
